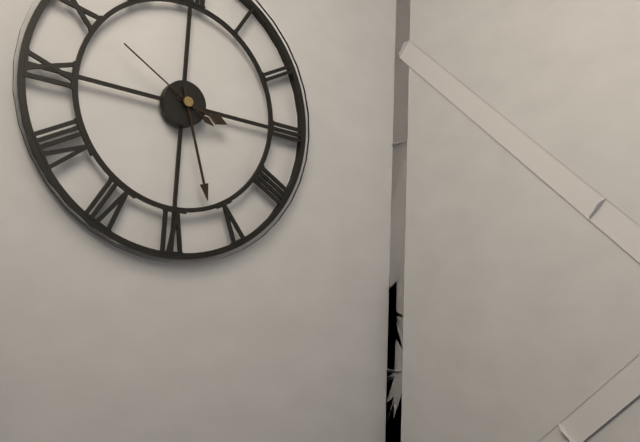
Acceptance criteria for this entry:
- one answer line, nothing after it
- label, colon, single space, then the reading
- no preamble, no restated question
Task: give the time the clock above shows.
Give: 3:27:50
